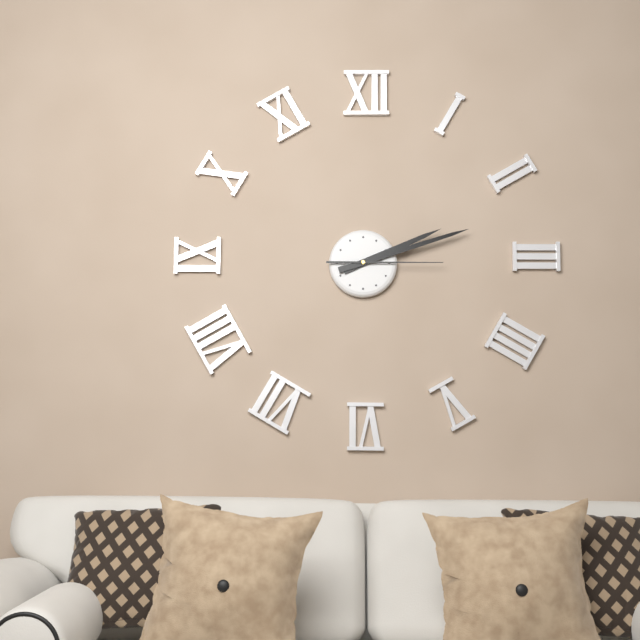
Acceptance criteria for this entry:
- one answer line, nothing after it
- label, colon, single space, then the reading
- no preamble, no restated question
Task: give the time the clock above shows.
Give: 2:12:15
